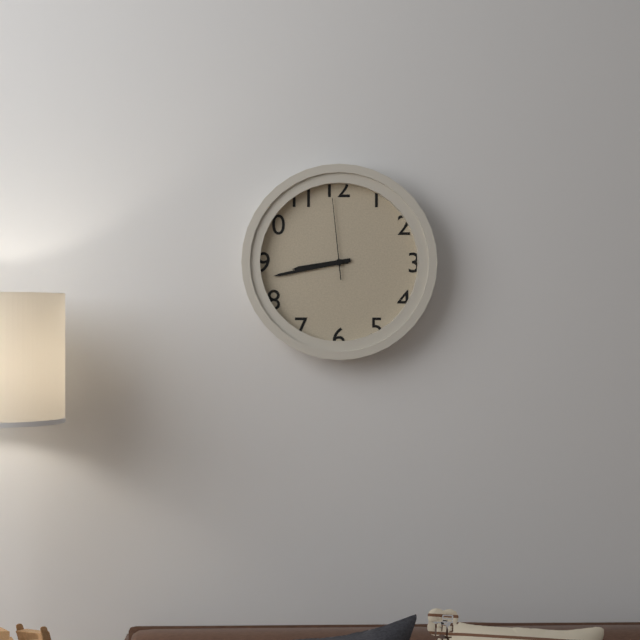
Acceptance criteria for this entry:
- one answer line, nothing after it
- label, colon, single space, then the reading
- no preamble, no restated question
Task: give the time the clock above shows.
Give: 8:43:59
